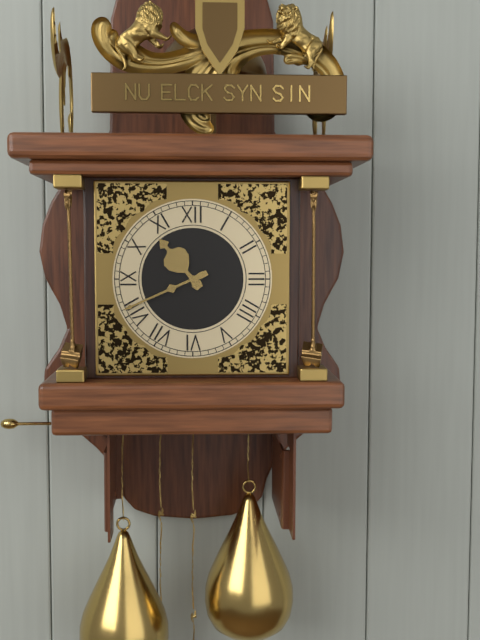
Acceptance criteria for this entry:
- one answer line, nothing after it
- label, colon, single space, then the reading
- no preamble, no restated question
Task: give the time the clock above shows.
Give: 10:41
